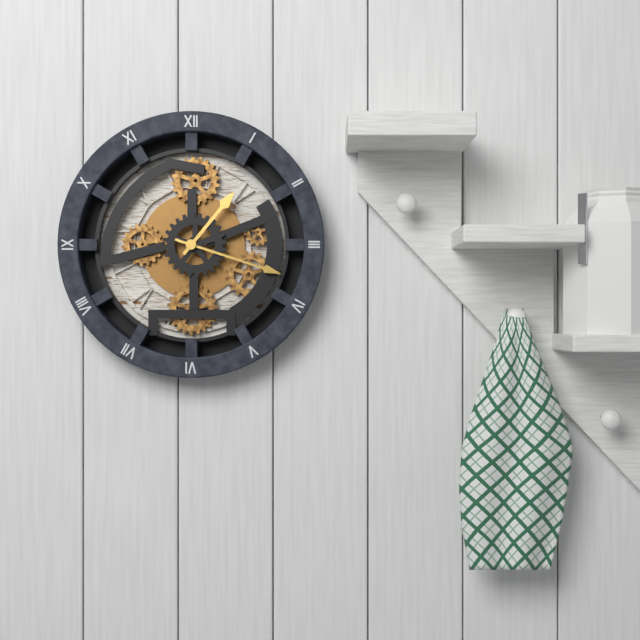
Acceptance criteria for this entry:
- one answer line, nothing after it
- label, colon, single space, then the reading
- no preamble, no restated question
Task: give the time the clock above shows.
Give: 1:18
